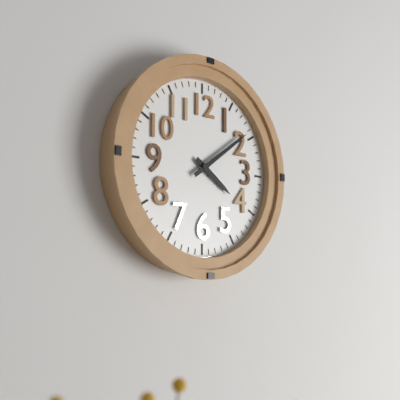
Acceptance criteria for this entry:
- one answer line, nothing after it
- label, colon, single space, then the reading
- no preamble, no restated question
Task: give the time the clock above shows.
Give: 4:09
